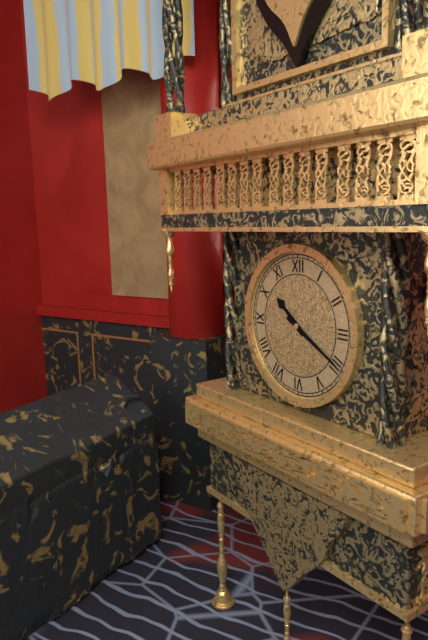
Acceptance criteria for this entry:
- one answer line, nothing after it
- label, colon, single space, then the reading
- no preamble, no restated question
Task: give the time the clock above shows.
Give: 10:20
